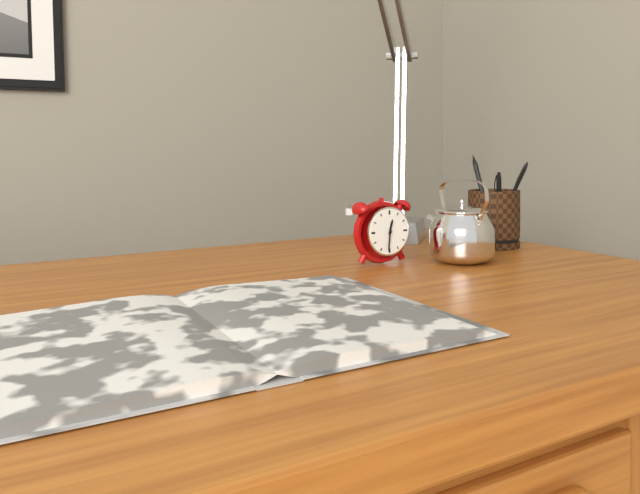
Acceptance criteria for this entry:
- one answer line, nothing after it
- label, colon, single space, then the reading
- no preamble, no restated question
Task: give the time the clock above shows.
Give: 12:31
